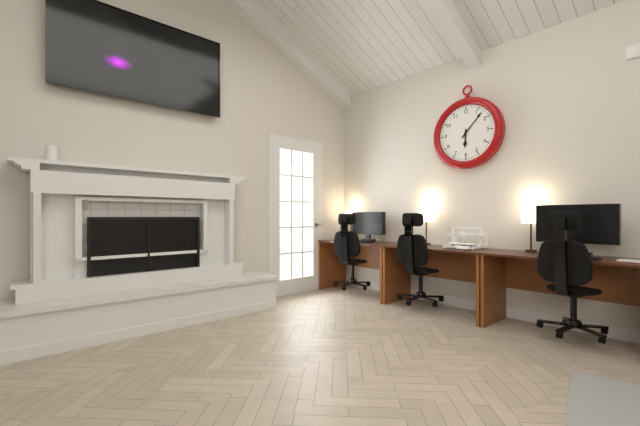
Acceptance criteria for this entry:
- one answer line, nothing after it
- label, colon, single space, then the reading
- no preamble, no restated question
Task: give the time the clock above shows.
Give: 6:07
